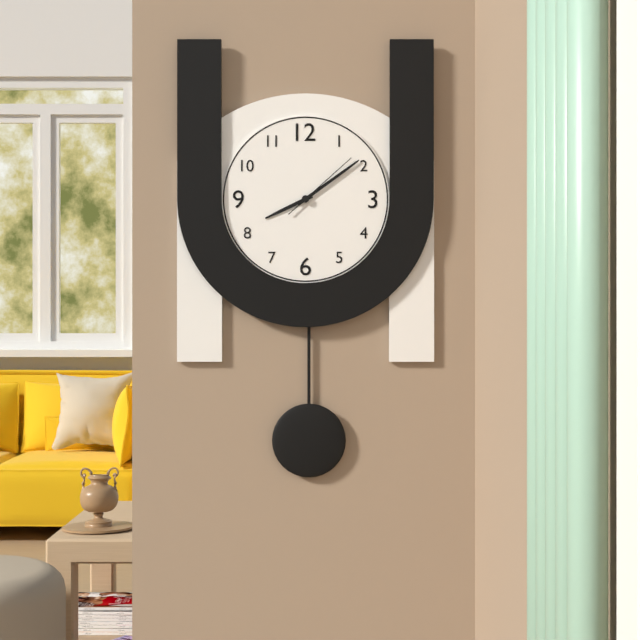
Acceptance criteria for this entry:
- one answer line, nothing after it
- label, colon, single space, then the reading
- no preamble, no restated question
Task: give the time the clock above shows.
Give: 8:09:08
